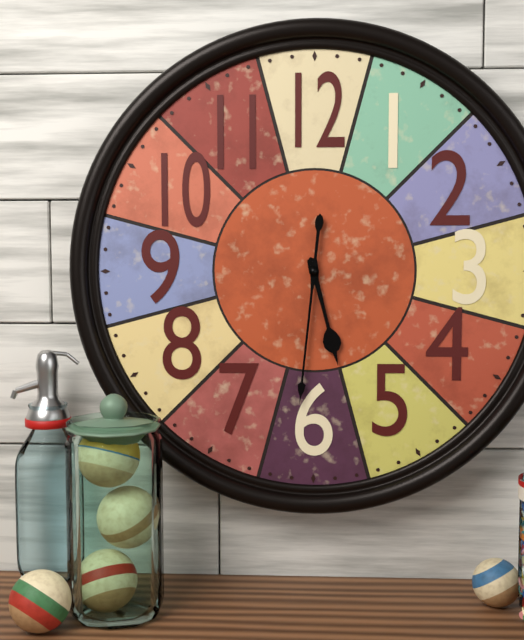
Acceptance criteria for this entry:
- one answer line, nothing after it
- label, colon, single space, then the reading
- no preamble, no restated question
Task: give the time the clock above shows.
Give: 5:31
